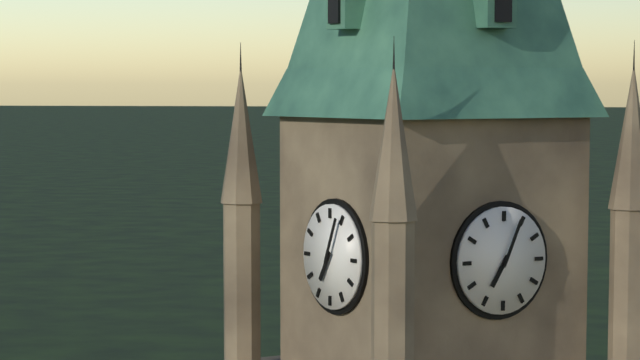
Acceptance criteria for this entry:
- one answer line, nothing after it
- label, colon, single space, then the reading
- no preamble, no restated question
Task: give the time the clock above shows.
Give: 7:04
